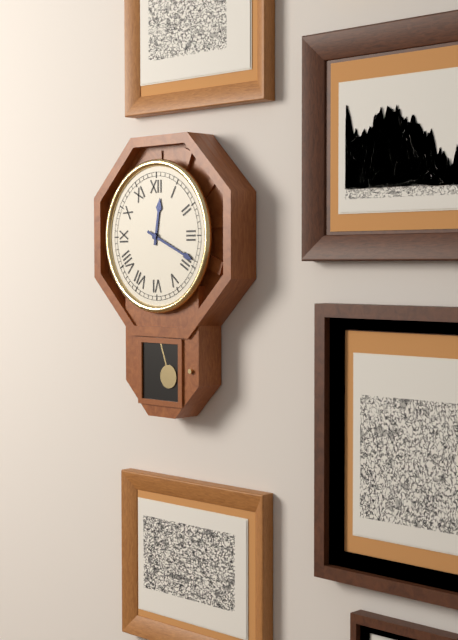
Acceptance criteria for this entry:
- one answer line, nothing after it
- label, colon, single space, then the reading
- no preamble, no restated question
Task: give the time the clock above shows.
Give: 12:19
